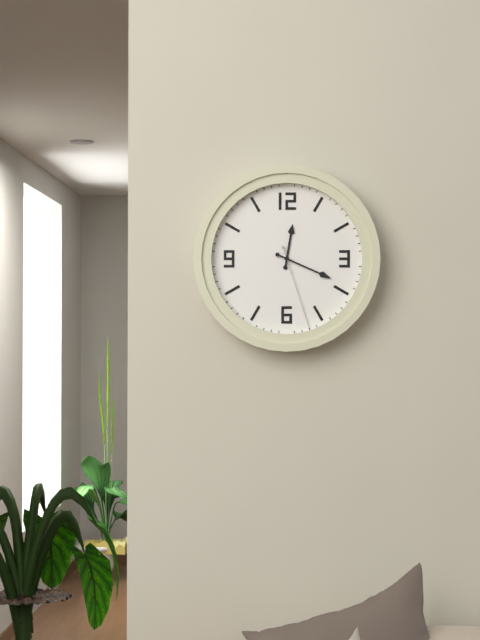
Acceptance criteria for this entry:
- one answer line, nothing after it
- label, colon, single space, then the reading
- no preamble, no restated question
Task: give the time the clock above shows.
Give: 12:19:27
